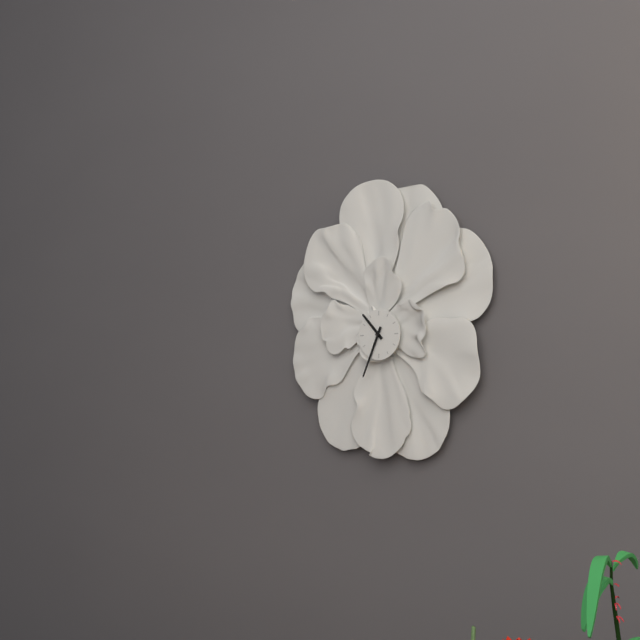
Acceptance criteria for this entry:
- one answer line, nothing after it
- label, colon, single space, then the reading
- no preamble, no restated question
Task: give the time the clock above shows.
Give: 10:34
